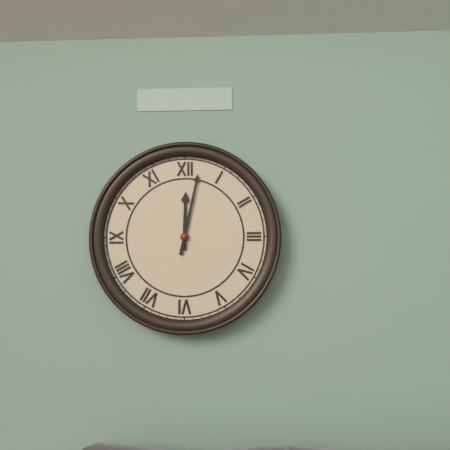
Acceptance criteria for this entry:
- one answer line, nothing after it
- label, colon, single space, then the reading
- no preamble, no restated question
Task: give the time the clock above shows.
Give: 12:02
